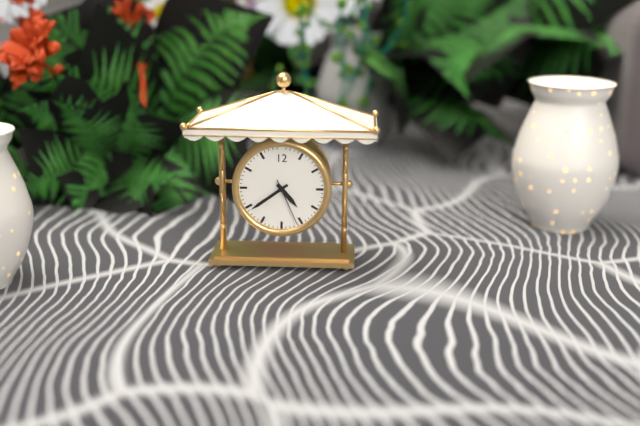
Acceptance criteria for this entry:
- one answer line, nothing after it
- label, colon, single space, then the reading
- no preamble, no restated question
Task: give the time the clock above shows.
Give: 4:39
